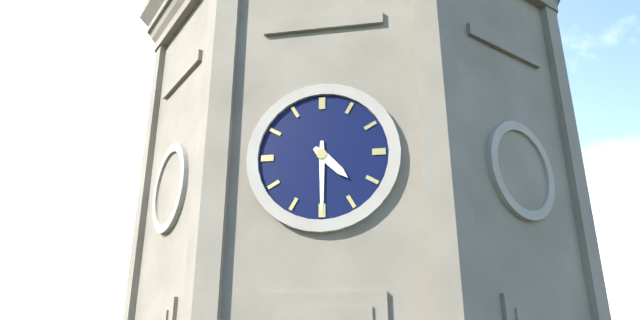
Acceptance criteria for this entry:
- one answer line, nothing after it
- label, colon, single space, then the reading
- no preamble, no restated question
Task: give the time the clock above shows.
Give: 4:30
